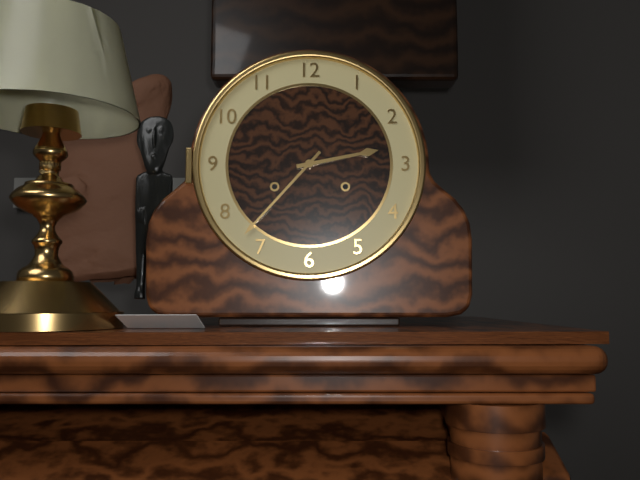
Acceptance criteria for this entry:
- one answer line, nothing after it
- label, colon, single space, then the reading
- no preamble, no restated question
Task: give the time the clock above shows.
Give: 2:37
